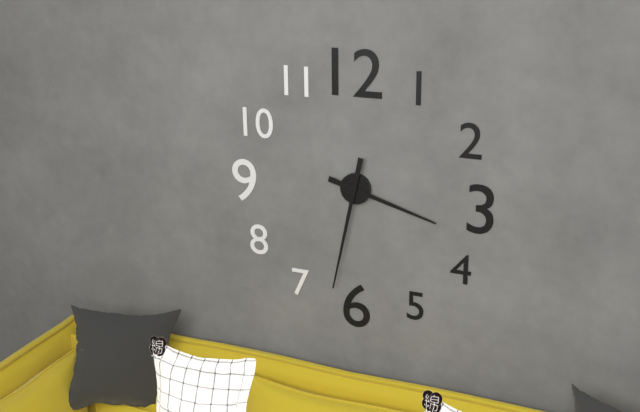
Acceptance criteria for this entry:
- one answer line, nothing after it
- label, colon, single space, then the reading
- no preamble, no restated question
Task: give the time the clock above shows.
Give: 3:32
